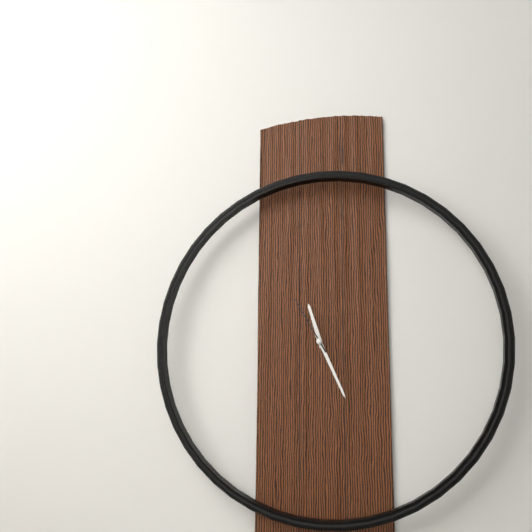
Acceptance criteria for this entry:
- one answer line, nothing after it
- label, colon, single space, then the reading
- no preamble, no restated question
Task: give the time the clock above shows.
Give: 11:26:55
